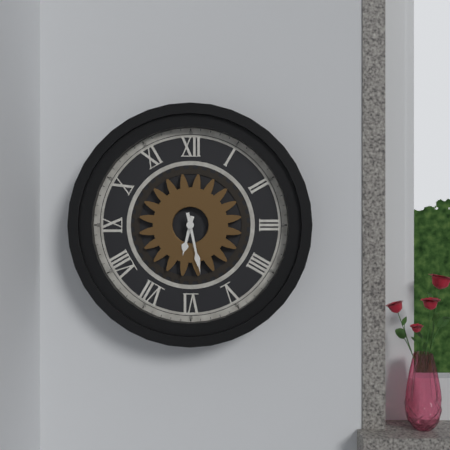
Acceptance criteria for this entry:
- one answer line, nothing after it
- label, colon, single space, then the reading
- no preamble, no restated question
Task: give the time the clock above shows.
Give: 6:28
